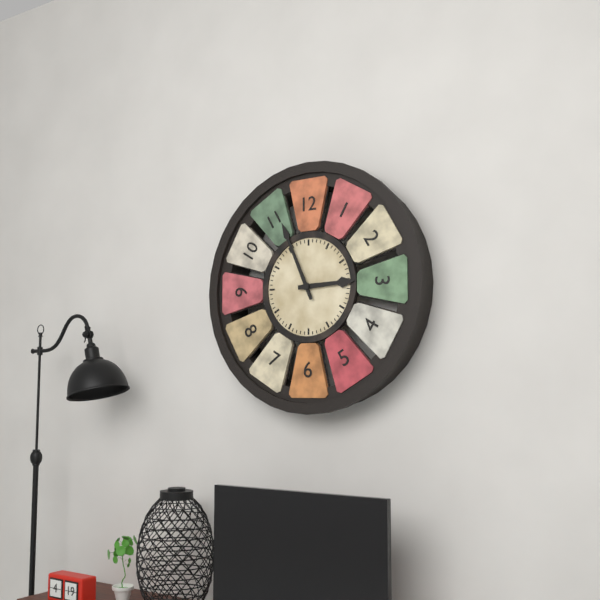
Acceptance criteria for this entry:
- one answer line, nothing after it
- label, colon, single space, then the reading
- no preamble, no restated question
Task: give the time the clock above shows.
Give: 2:56
